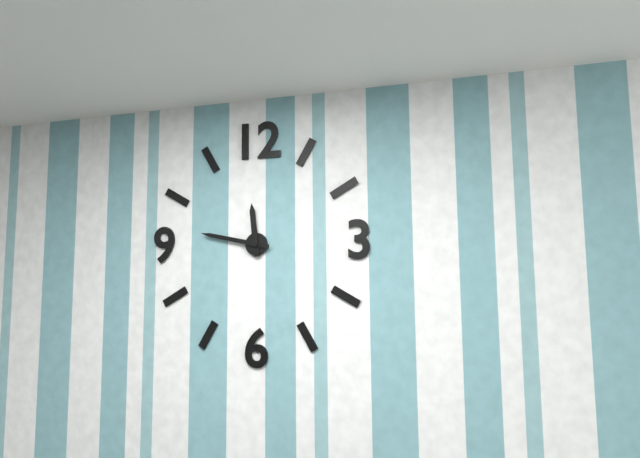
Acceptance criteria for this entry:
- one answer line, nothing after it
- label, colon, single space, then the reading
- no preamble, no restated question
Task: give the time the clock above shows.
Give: 11:47
